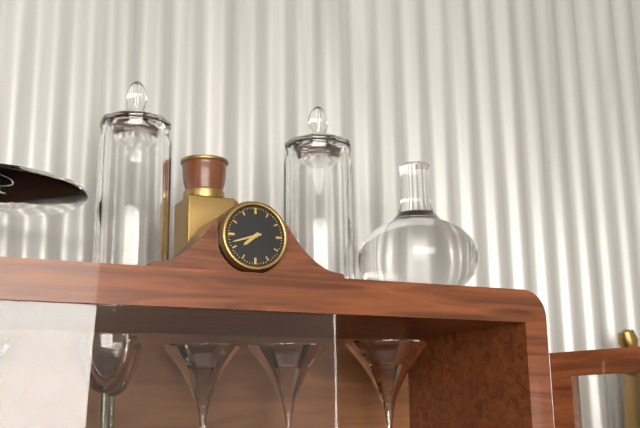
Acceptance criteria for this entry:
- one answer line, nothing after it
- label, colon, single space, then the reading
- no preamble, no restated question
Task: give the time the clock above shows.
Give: 7:42
